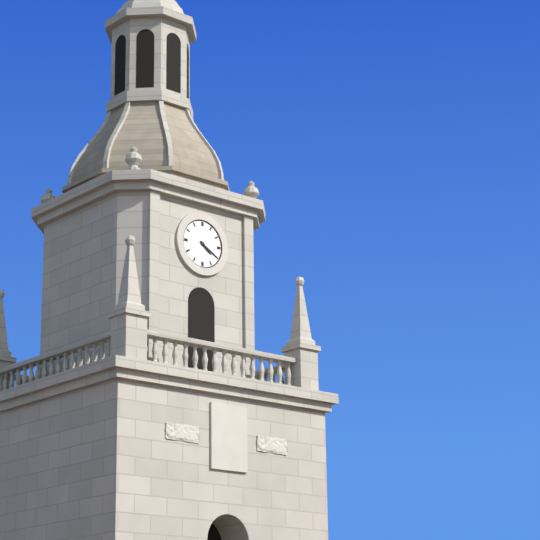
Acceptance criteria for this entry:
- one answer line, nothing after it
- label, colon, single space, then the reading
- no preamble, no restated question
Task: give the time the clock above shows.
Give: 4:20
